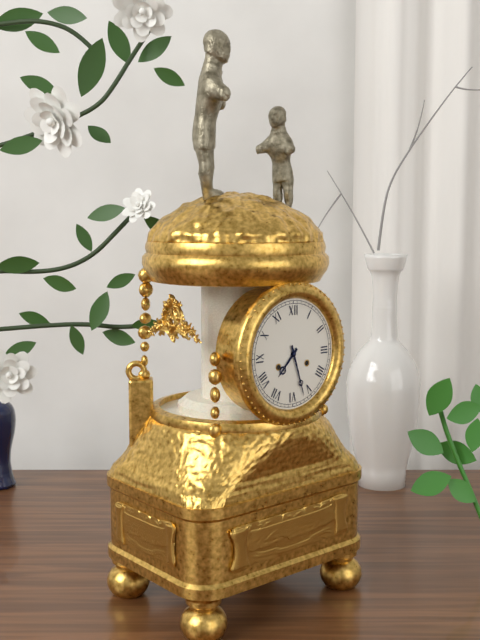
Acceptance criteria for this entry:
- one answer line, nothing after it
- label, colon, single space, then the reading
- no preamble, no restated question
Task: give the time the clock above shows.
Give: 7:27
